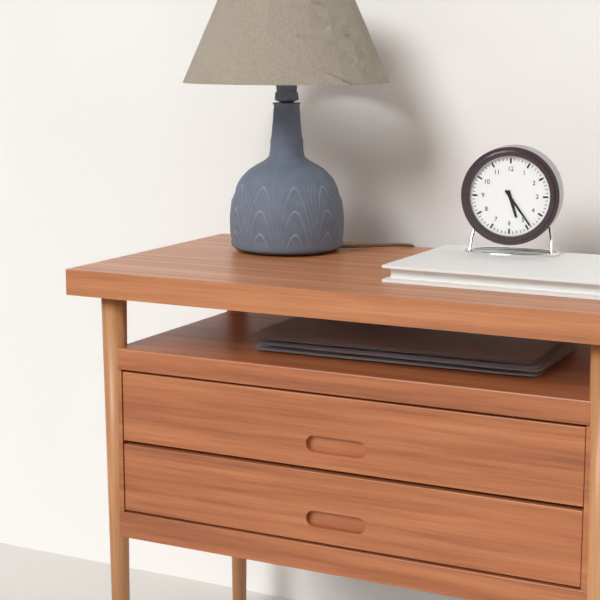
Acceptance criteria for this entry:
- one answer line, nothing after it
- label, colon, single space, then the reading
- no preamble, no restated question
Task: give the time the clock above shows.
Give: 5:24
